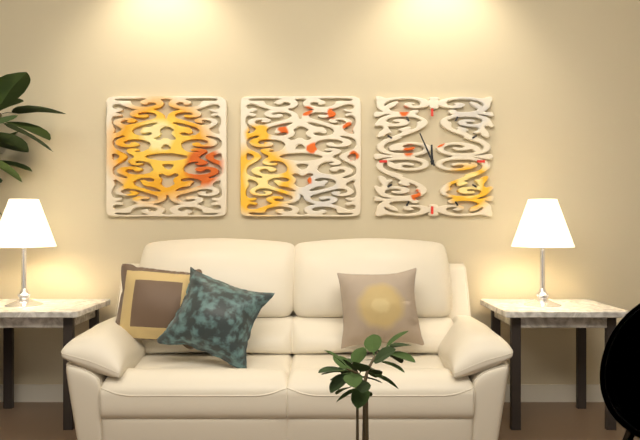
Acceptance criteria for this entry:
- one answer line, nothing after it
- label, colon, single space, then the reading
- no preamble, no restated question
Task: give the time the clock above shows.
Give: 11:56
